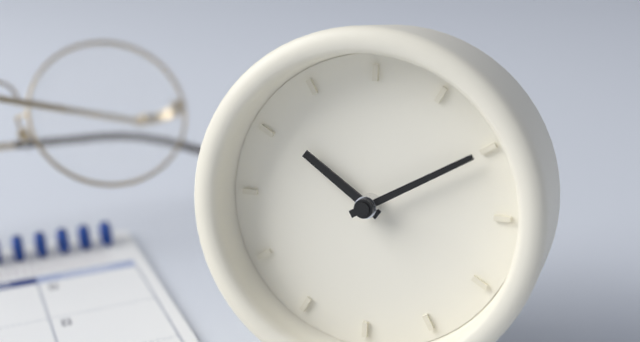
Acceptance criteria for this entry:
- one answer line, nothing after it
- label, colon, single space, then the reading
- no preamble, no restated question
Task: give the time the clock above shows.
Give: 10:10
